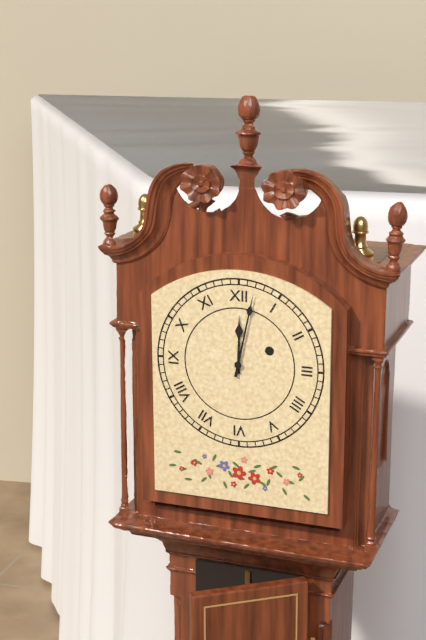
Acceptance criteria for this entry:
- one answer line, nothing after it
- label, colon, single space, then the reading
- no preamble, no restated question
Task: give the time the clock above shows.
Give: 12:02
